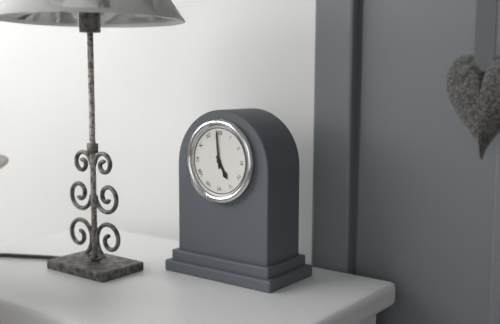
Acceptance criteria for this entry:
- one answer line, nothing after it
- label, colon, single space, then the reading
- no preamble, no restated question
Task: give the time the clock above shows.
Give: 4:59
